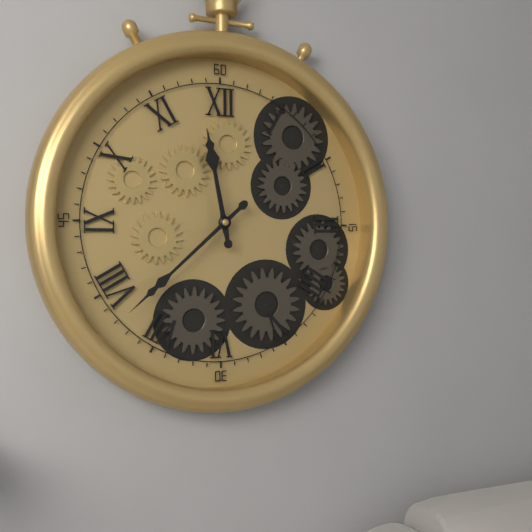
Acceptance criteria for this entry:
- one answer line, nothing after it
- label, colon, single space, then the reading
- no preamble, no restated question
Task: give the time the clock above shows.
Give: 11:38
